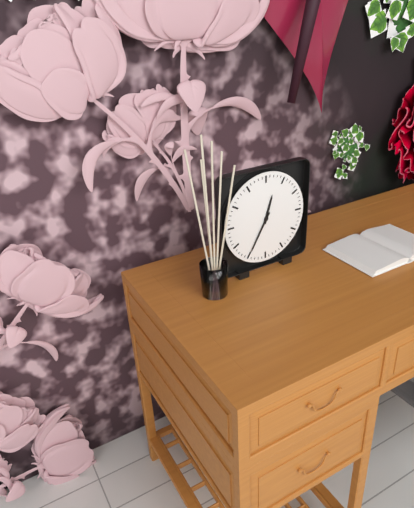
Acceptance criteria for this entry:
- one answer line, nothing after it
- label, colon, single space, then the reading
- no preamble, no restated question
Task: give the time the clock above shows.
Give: 12:35
